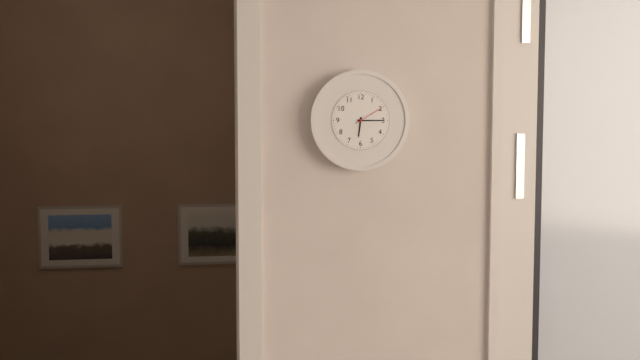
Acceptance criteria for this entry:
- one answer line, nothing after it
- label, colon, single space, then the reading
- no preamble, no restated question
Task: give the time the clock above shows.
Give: 6:15
